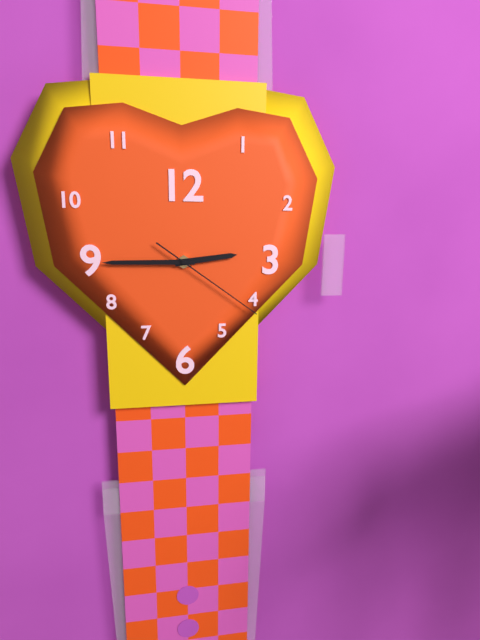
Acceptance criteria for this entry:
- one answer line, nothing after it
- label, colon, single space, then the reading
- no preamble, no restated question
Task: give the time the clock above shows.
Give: 2:45:21
